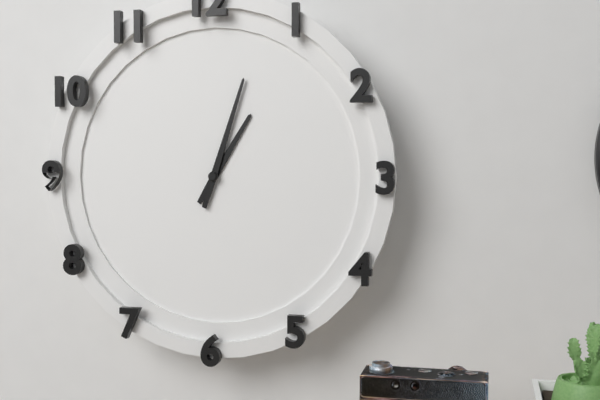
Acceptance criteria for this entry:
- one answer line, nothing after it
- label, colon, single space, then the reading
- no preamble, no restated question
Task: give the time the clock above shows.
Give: 1:03
